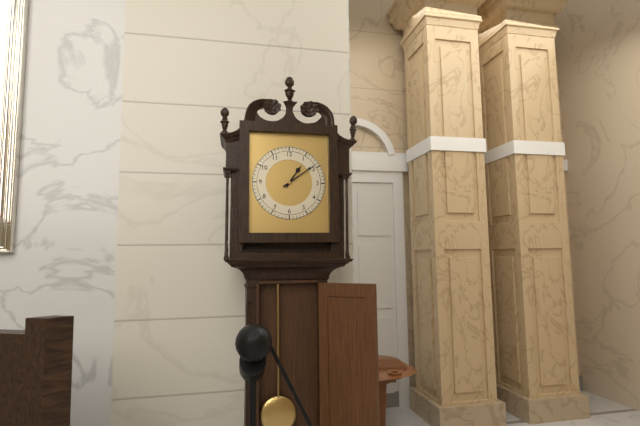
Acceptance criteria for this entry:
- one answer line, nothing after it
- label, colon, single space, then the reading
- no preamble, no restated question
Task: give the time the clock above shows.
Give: 1:09
